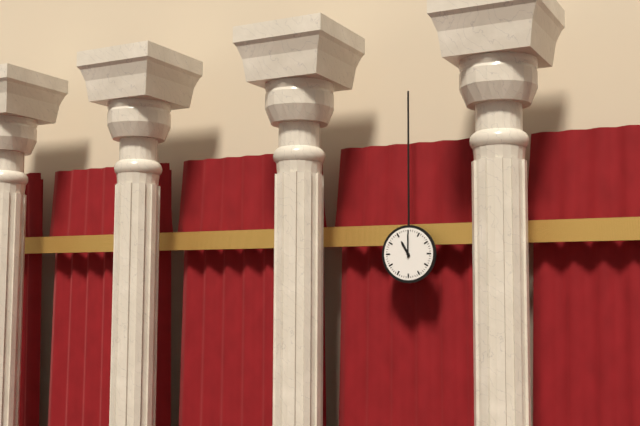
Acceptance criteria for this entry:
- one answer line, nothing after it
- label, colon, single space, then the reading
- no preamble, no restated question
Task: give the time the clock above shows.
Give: 11:00
